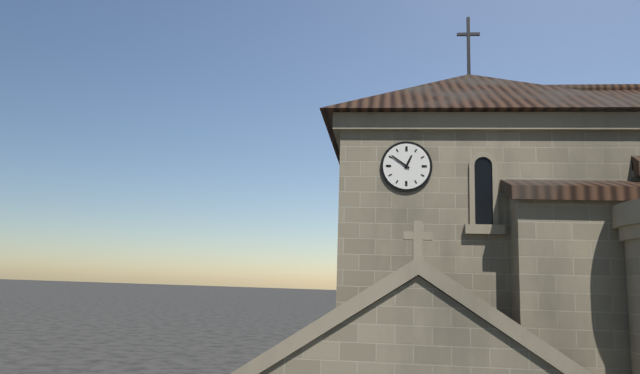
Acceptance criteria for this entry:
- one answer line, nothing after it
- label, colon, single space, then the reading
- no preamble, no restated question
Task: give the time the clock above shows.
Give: 12:51
